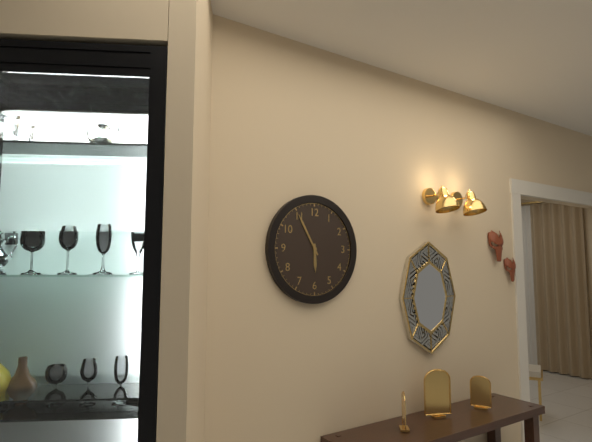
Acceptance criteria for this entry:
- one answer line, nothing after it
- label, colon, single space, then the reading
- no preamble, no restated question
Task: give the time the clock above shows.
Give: 5:55
